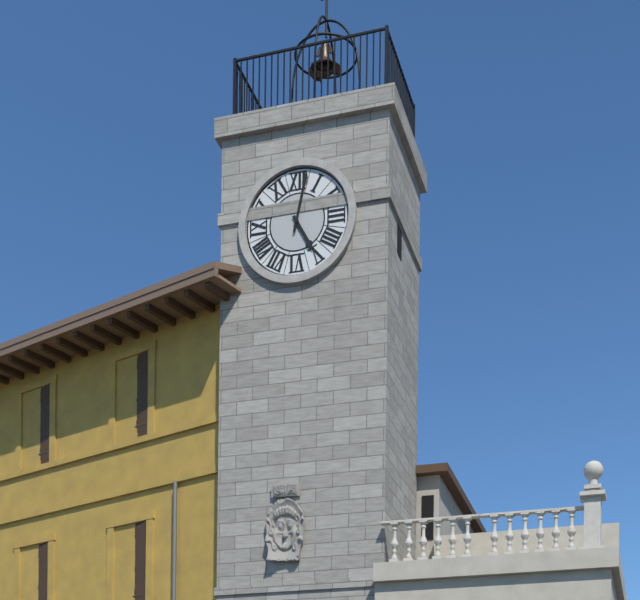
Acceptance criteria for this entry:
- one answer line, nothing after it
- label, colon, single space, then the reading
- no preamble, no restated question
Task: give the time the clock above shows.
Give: 5:02
